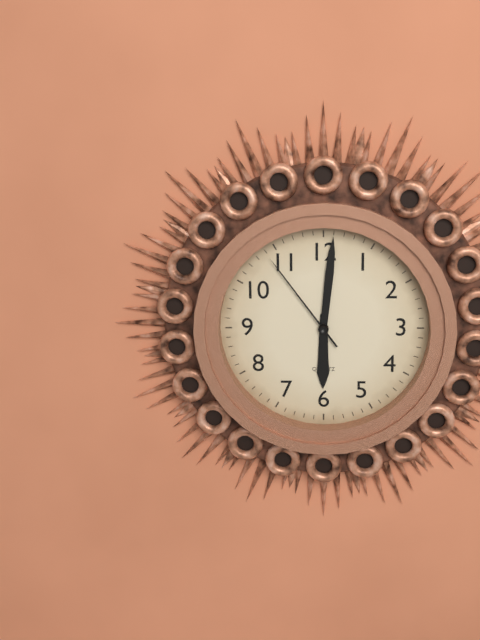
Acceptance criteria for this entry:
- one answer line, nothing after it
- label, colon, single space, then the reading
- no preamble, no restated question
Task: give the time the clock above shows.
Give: 6:01:54
